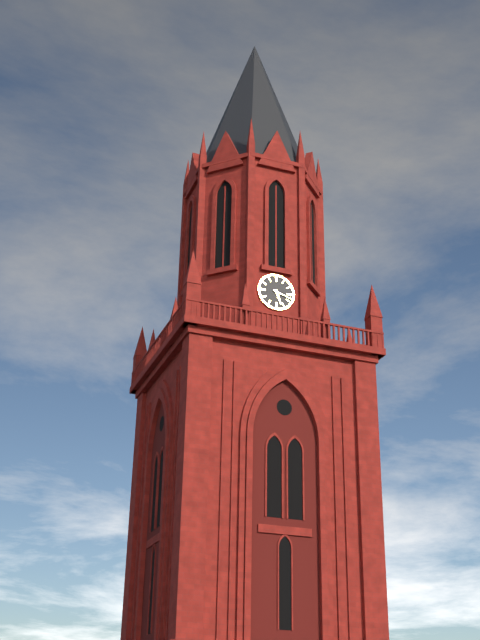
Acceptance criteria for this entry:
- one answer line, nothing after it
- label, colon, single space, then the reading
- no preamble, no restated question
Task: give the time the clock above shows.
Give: 5:18
